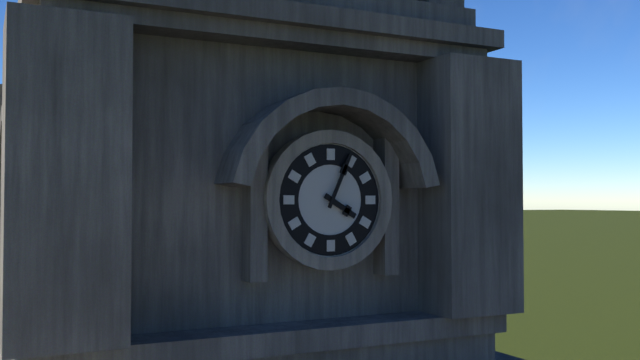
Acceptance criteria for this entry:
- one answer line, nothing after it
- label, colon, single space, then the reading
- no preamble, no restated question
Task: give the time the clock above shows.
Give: 4:04
